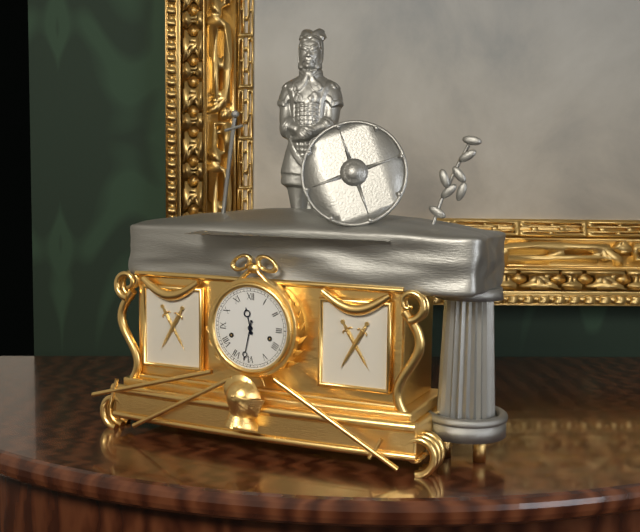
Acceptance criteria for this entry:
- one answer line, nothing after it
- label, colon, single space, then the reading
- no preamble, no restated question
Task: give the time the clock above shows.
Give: 11:32
